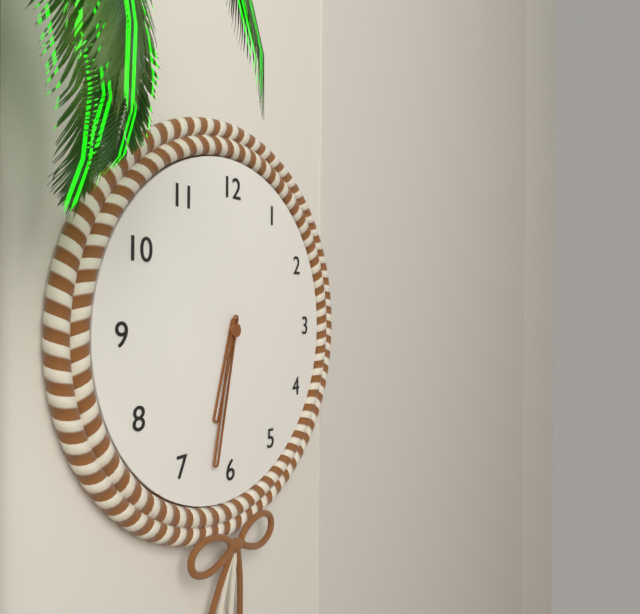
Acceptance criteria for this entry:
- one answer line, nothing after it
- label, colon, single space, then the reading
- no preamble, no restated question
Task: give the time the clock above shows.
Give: 6:32
